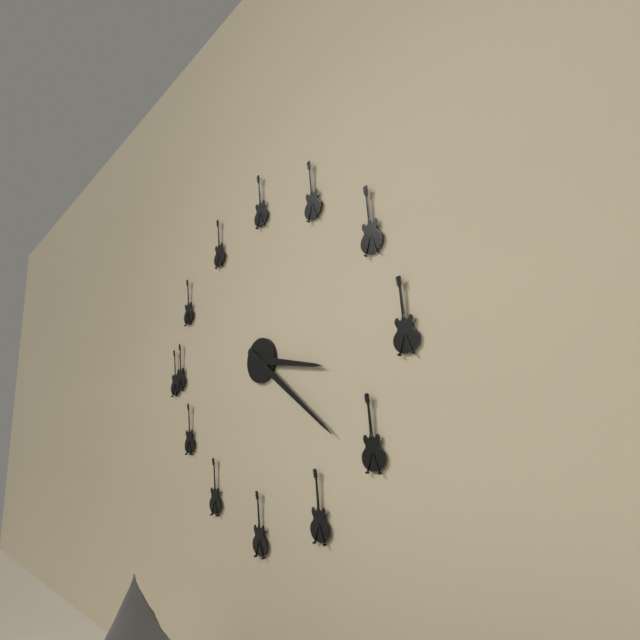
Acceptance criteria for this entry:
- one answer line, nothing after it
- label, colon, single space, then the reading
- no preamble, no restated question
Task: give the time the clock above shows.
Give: 3:21
